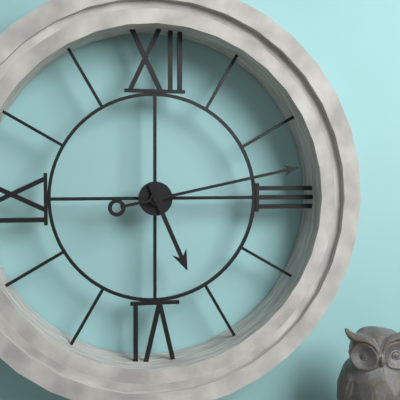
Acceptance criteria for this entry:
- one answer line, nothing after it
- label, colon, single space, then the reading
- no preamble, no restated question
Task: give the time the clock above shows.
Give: 5:13
